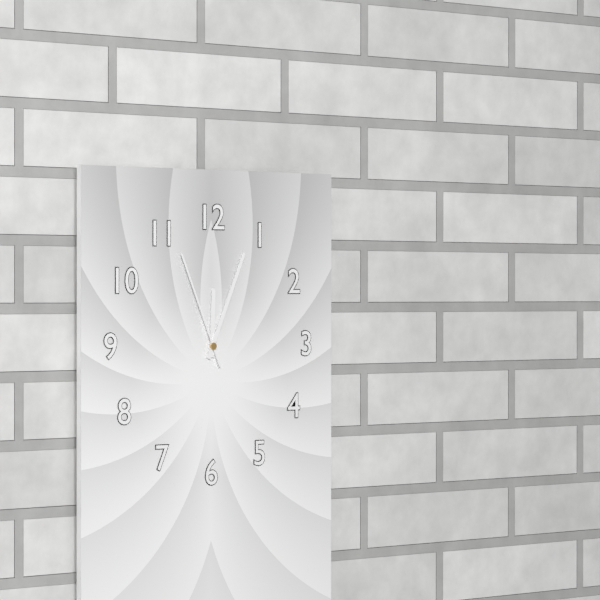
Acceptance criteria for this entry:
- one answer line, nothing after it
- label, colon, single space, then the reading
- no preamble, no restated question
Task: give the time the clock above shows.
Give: 12:04:56
